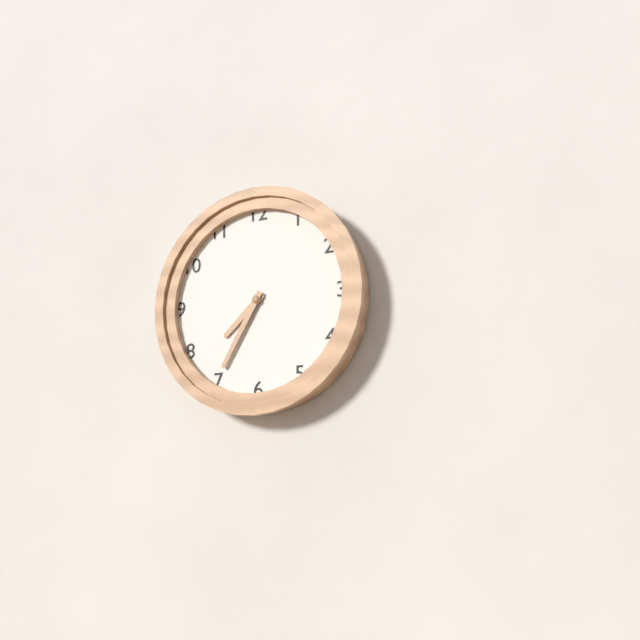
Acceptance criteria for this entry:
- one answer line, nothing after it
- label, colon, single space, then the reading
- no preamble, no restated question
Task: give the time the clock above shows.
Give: 7:35
